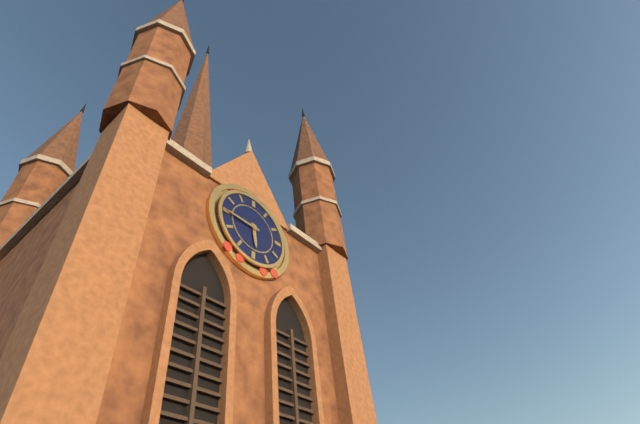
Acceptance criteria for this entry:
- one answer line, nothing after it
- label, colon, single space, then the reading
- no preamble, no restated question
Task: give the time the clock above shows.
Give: 5:45
